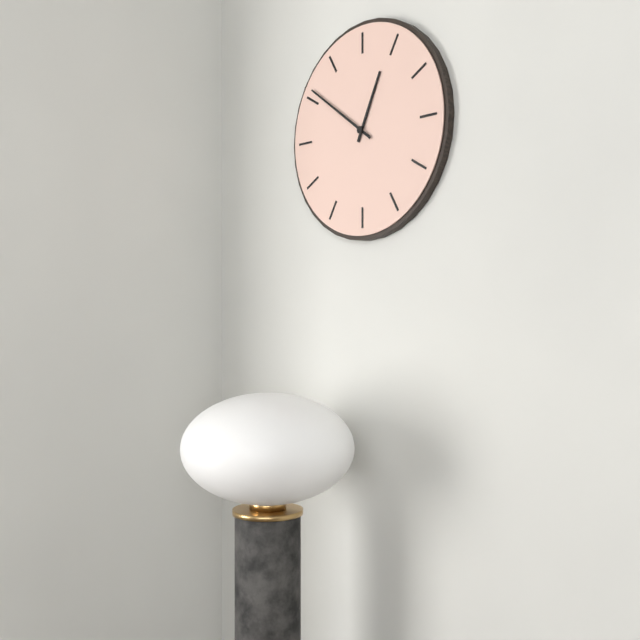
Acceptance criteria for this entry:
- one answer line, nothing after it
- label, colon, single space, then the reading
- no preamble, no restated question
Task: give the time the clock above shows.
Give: 12:51
